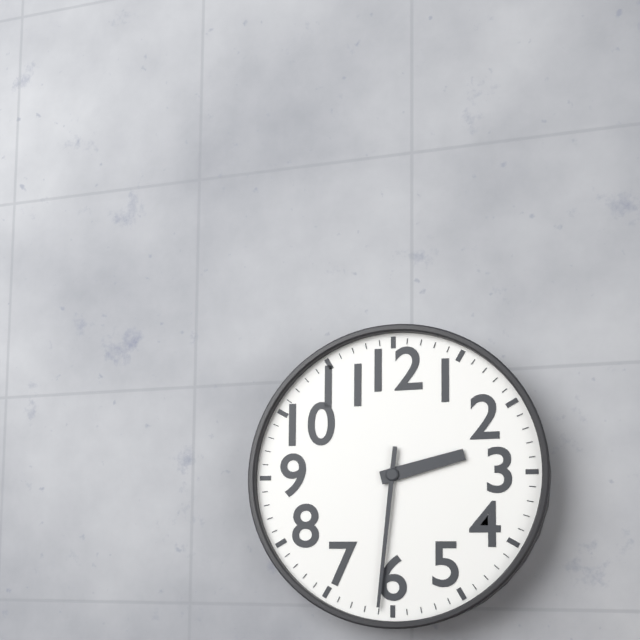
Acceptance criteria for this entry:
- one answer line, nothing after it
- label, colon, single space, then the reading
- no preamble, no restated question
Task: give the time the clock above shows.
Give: 2:31
